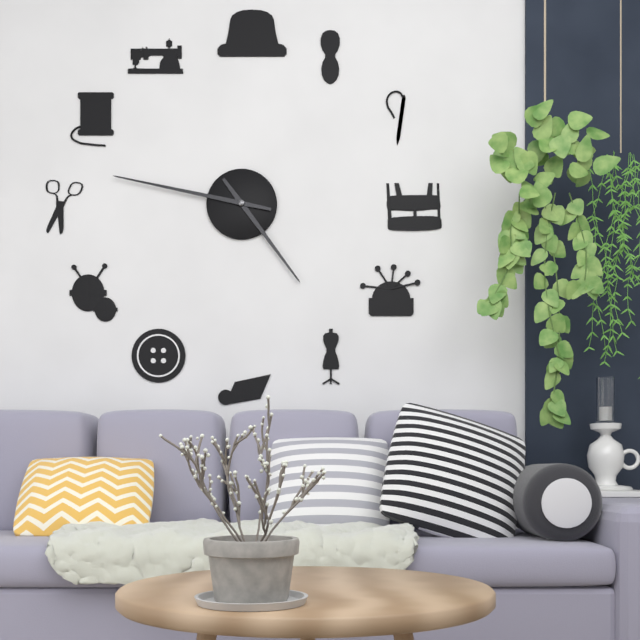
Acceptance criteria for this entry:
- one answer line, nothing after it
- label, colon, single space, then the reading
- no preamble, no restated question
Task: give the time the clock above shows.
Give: 4:47
